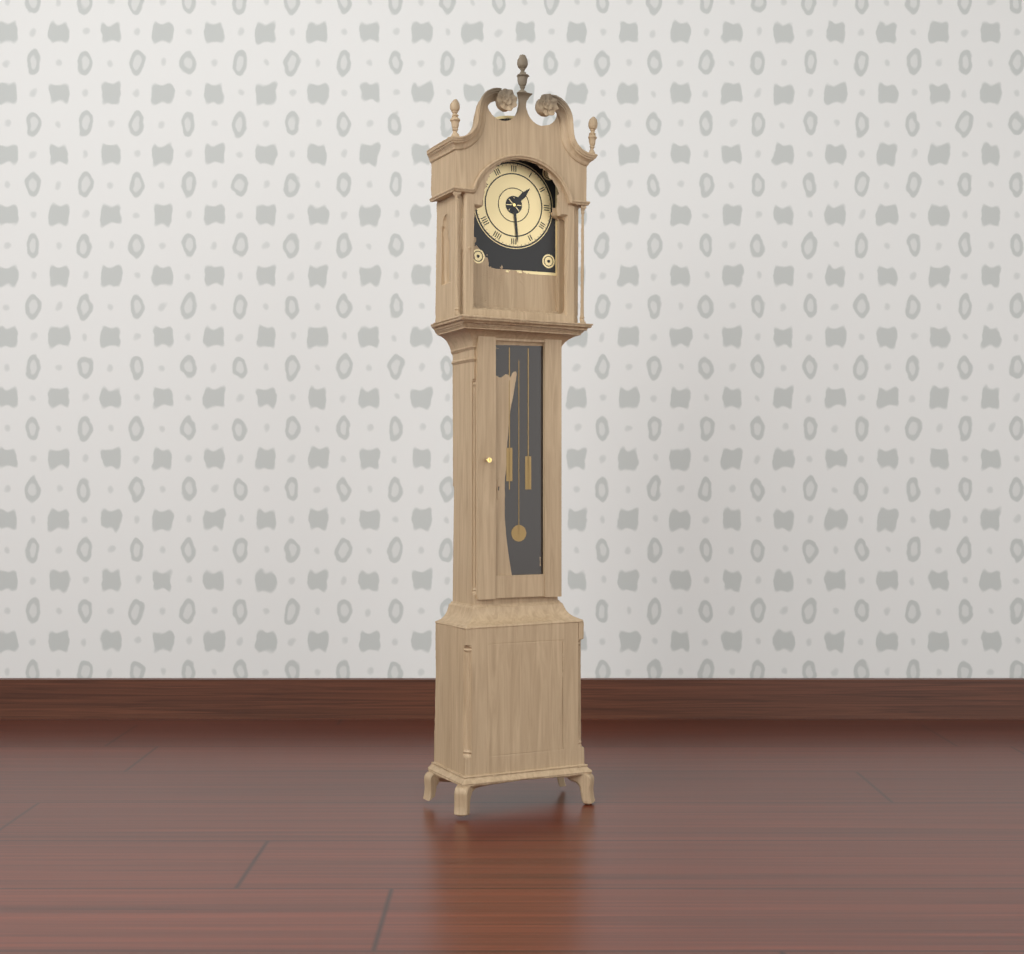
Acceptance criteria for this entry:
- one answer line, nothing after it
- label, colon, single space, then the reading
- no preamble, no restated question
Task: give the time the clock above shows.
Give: 1:29
